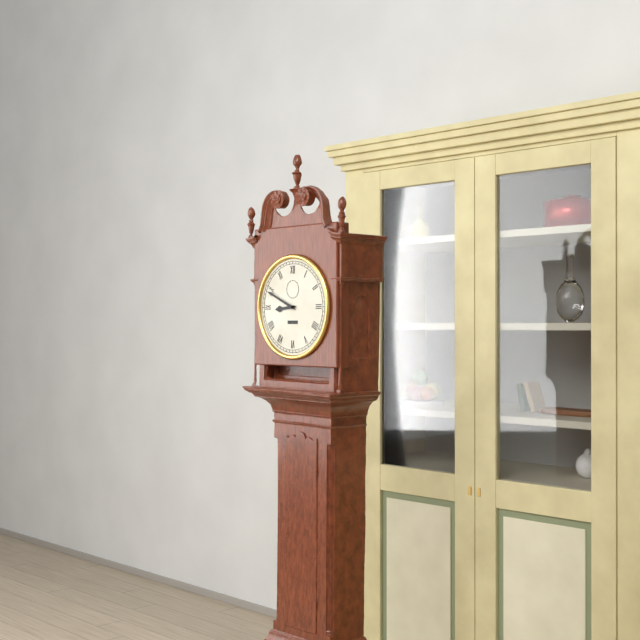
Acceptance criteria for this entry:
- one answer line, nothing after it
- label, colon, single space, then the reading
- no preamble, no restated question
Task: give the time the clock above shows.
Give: 8:49
